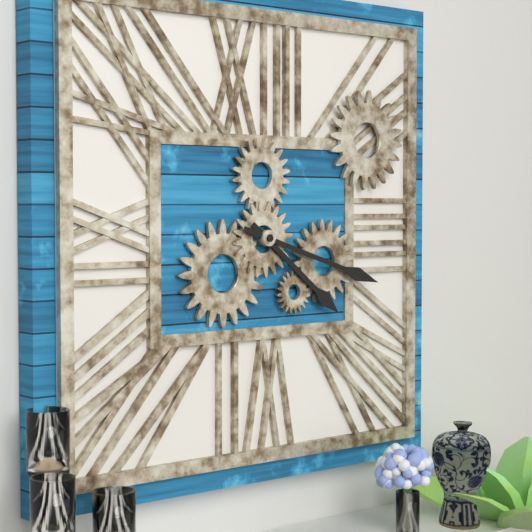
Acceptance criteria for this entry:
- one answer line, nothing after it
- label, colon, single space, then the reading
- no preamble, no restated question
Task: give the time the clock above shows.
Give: 4:18
